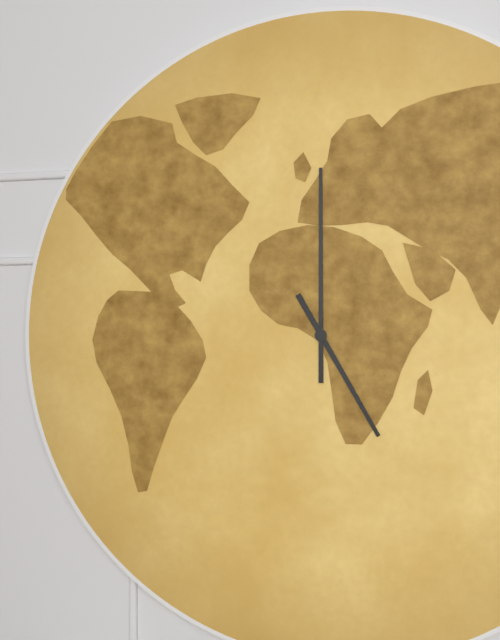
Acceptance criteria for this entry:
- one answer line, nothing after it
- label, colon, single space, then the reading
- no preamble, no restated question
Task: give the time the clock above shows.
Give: 5:00
